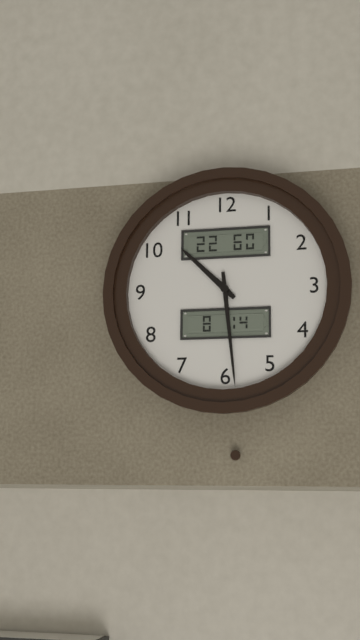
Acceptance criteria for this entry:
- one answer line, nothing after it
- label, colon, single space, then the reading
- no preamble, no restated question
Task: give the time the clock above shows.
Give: 10:29
